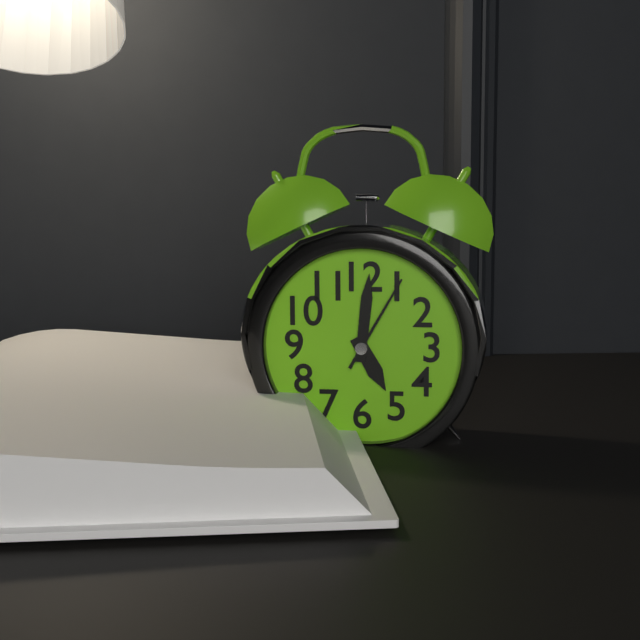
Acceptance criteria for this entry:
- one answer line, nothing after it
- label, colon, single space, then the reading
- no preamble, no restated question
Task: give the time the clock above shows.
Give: 5:01:05
